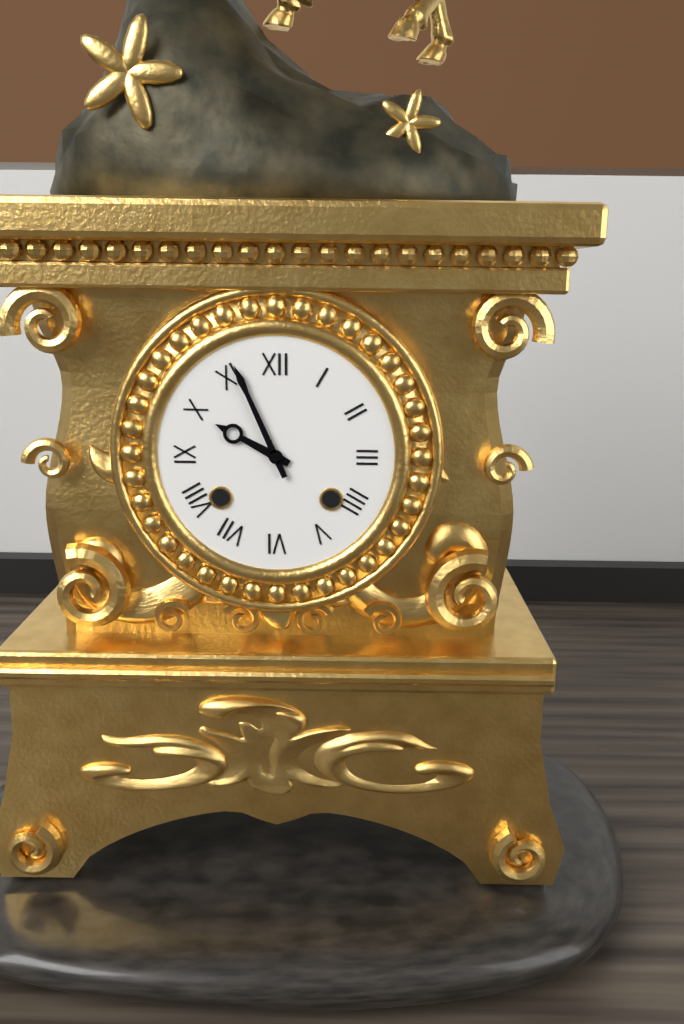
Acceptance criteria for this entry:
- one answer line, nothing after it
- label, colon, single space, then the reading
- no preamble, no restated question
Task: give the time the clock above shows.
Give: 9:56
